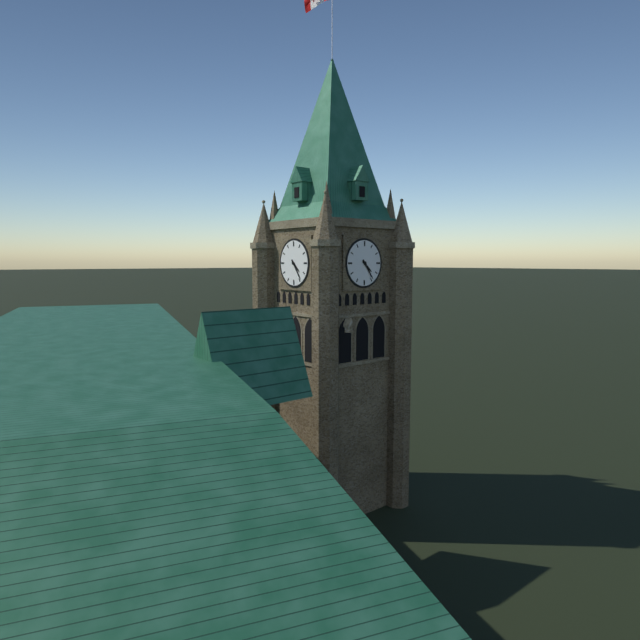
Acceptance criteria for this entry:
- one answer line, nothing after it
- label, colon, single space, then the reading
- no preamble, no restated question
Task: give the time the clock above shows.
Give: 4:24
